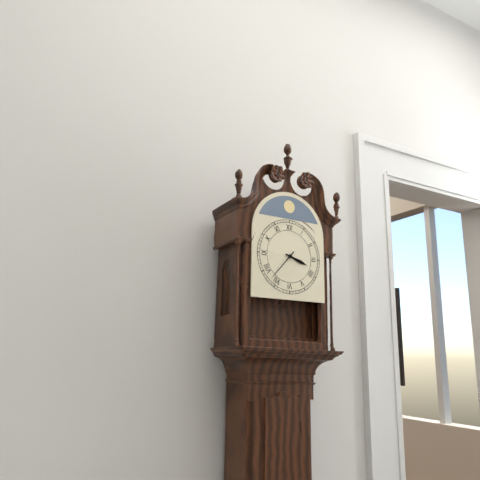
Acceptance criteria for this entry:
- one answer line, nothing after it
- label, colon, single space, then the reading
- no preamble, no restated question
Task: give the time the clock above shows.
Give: 3:37
